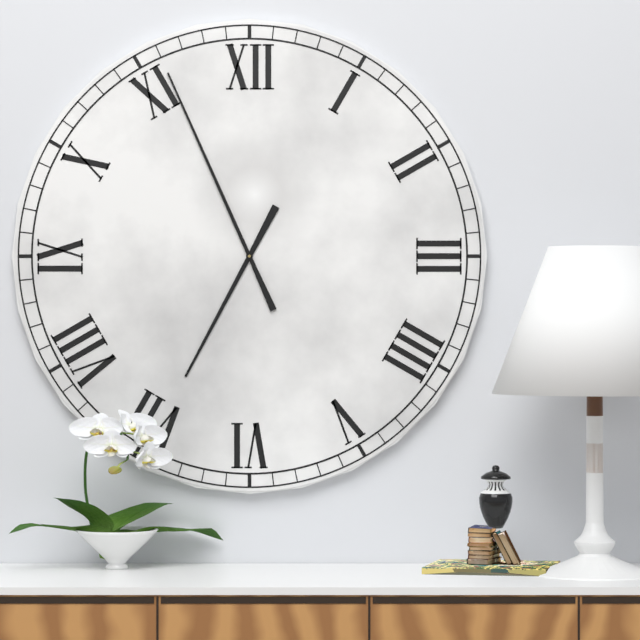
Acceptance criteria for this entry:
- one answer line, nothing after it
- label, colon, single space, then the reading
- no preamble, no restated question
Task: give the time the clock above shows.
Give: 6:56
